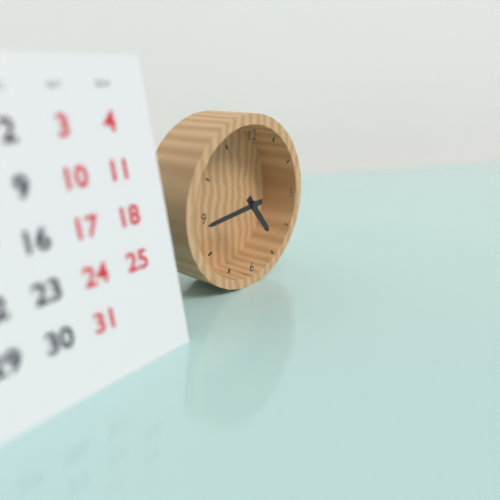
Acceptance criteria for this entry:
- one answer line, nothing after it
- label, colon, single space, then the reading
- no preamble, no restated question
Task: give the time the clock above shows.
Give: 4:44
